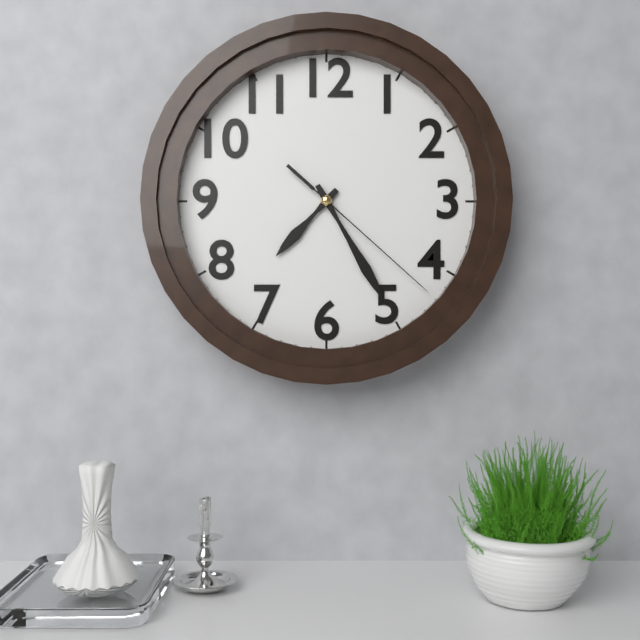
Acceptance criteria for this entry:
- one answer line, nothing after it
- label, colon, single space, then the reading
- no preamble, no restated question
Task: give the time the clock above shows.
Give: 7:25:22
